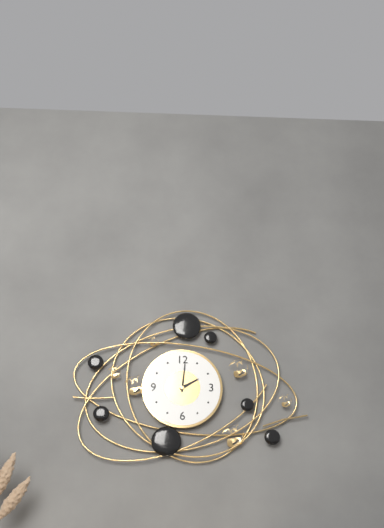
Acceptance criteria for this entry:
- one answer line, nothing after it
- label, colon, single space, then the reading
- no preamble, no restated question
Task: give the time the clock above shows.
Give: 2:01
